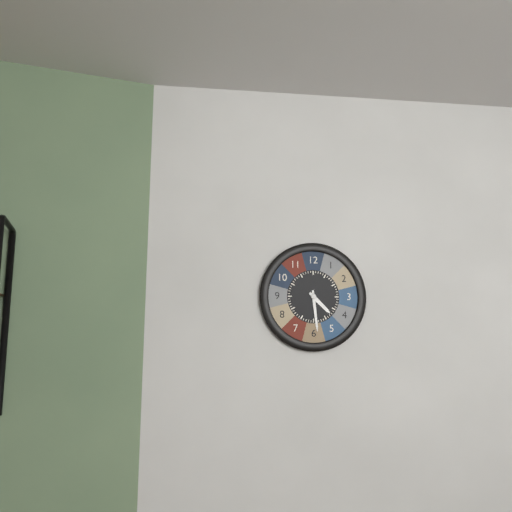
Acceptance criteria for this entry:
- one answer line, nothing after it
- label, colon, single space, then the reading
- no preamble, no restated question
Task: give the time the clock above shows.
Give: 4:29
